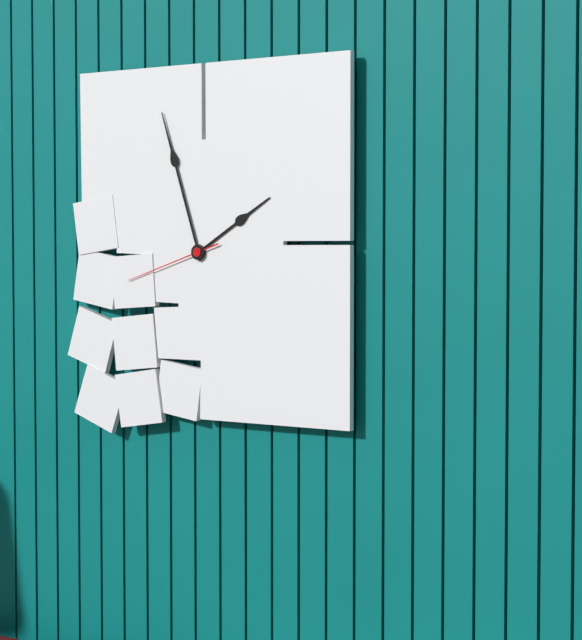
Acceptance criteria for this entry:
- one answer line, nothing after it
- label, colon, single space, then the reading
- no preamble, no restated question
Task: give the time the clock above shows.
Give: 1:57:42
